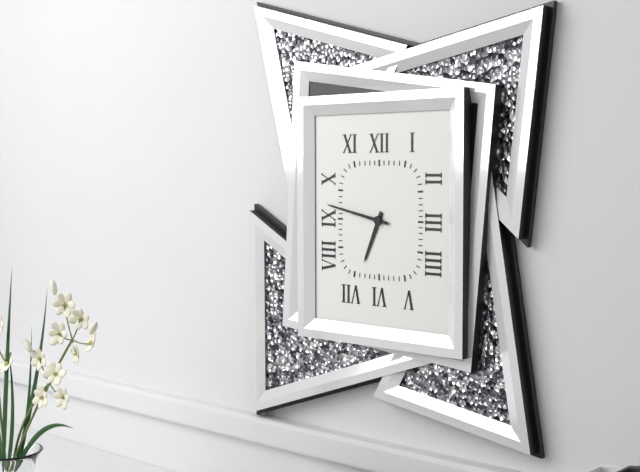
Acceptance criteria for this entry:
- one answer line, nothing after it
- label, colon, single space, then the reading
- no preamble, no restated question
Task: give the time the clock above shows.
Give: 6:47
